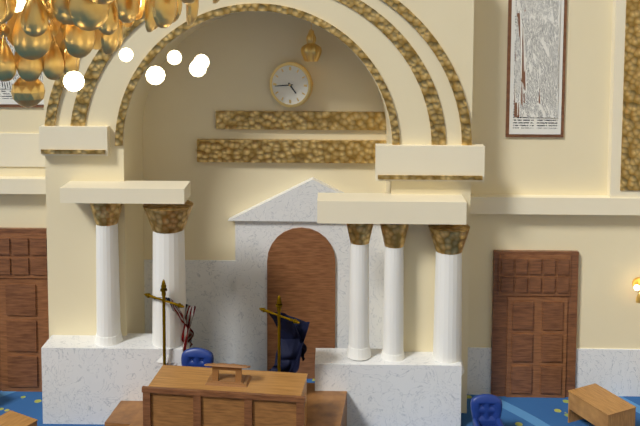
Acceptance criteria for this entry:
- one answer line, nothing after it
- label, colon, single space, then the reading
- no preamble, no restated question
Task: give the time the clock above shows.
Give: 4:44
